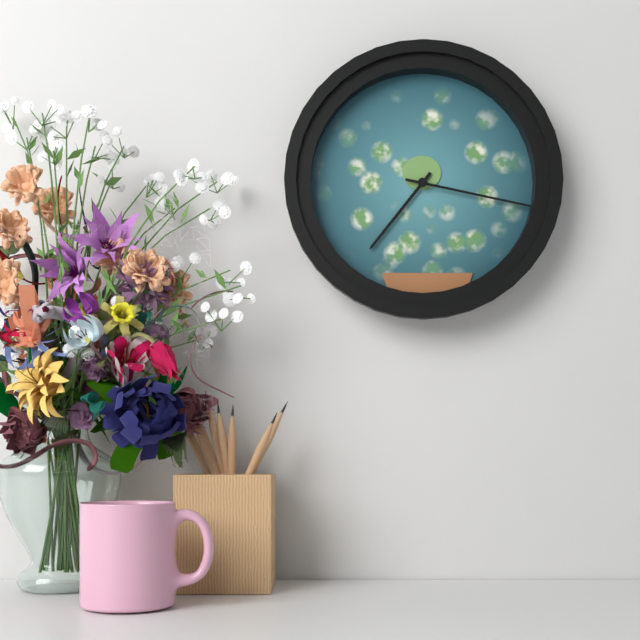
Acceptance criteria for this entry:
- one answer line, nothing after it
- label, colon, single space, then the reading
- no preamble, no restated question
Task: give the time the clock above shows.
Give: 7:17
